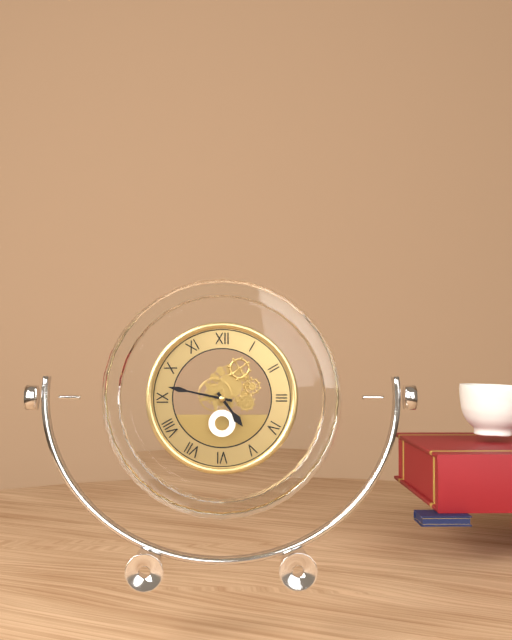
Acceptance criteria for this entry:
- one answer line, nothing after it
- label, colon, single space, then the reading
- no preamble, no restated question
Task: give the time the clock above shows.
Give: 4:47
